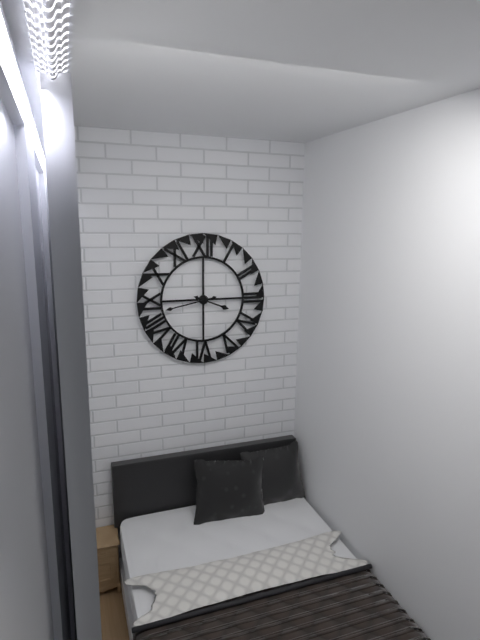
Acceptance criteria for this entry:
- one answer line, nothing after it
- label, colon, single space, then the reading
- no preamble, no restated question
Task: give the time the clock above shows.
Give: 3:43
